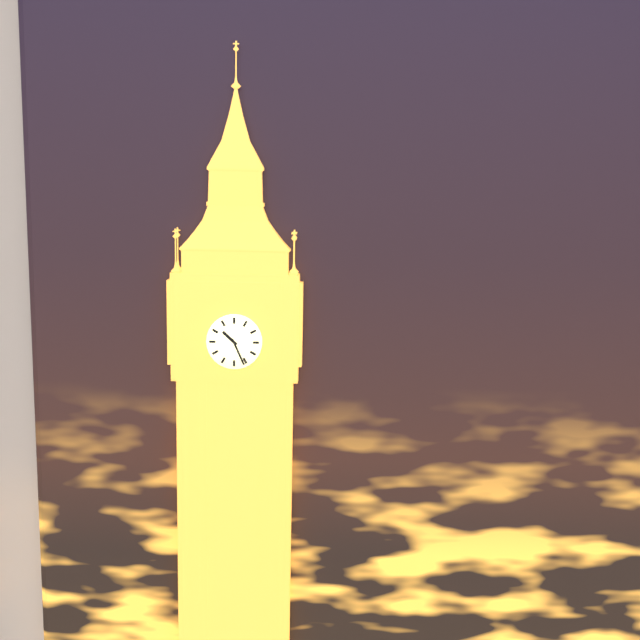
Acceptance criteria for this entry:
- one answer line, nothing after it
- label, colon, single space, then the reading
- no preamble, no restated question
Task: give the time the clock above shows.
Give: 10:26
